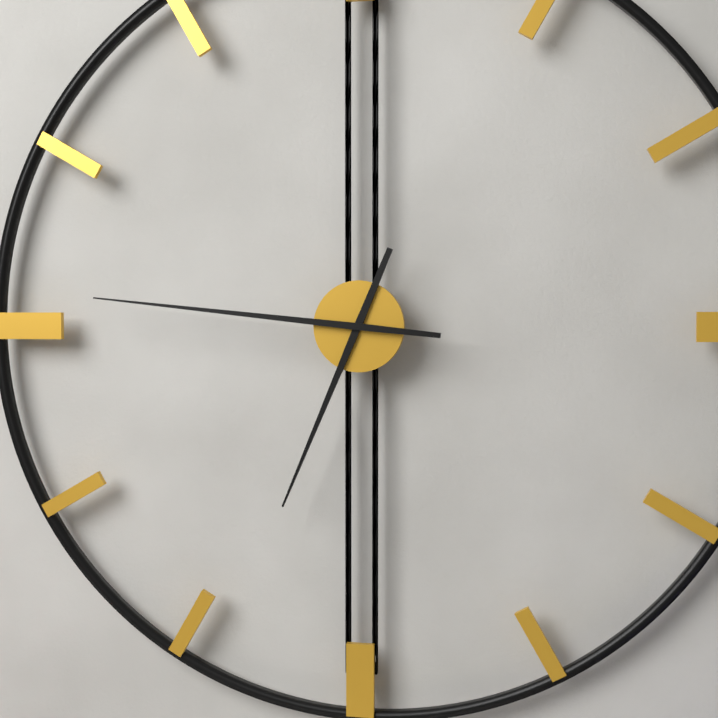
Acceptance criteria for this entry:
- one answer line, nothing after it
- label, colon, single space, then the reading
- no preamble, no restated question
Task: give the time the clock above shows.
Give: 6:46
